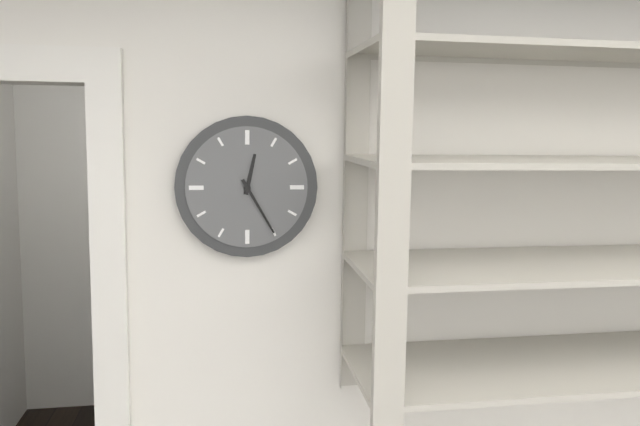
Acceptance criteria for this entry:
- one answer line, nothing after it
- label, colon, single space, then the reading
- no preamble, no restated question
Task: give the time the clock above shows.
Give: 12:25
